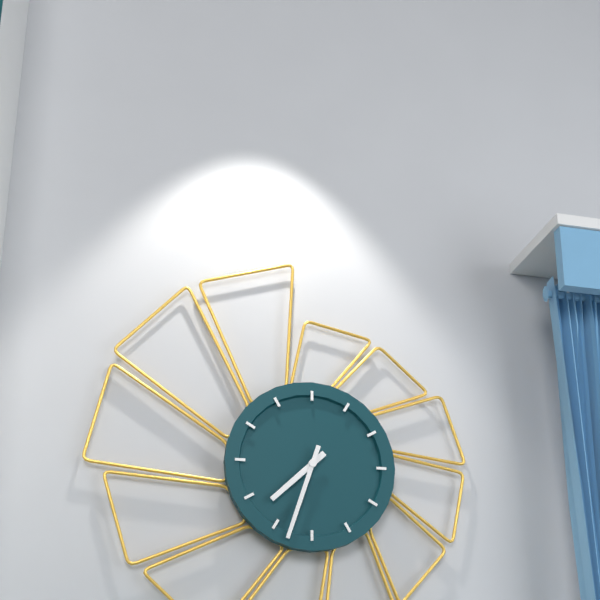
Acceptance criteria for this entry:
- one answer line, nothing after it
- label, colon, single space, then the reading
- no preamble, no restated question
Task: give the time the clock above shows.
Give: 7:33
